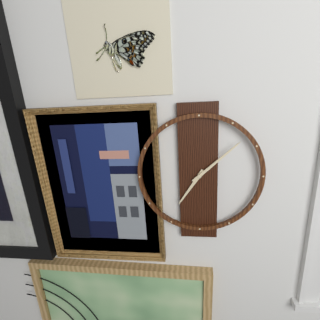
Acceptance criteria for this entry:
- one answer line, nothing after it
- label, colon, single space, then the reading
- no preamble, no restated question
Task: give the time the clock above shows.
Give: 7:08
